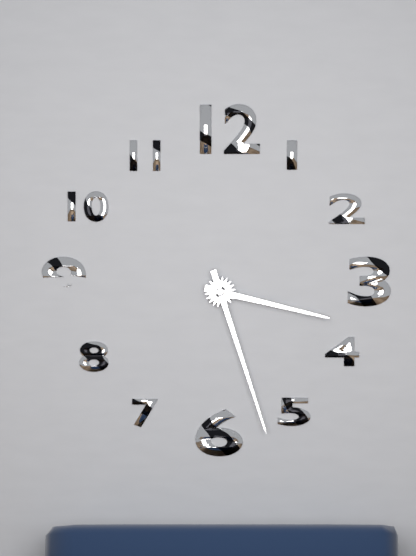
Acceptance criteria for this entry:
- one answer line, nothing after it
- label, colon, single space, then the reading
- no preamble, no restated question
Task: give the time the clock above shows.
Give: 3:27
